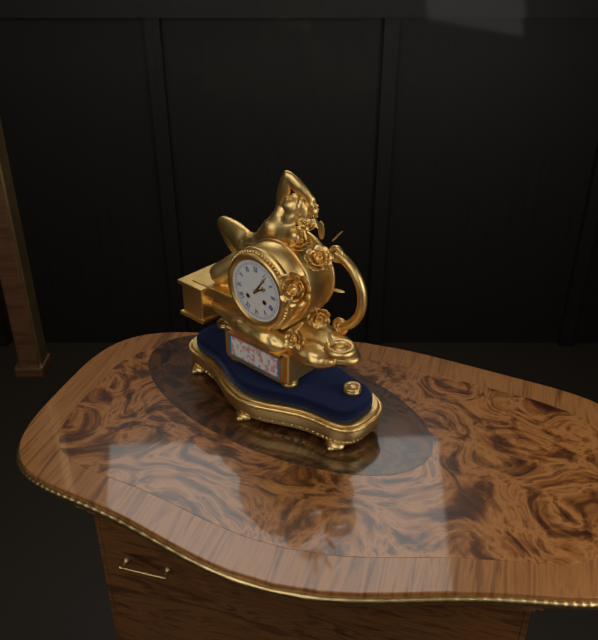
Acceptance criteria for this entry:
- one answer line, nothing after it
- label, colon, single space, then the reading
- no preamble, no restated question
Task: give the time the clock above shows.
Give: 2:06
